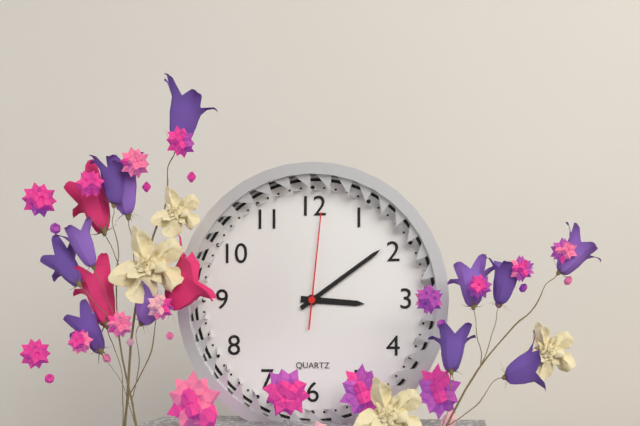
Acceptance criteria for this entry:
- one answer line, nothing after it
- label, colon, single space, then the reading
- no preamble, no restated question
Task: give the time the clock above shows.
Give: 3:09:01
